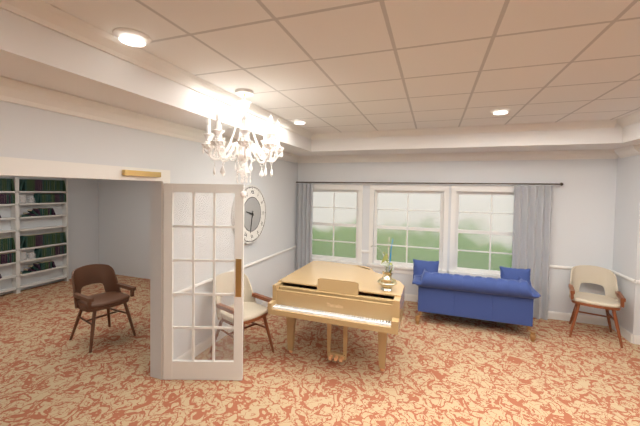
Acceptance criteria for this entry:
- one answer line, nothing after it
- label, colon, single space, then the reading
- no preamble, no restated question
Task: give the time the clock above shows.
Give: 9:32
